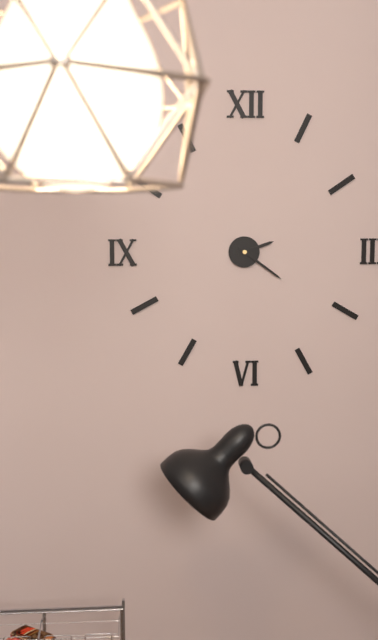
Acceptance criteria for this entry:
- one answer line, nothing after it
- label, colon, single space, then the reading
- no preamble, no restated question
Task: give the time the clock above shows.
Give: 2:21
